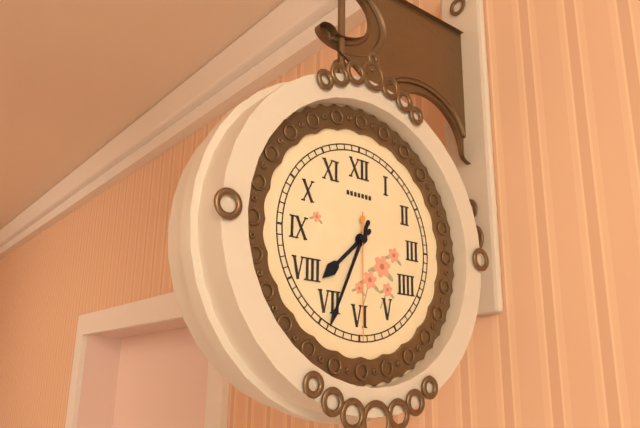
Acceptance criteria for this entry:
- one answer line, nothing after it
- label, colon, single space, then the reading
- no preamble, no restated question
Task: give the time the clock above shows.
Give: 7:34:30
